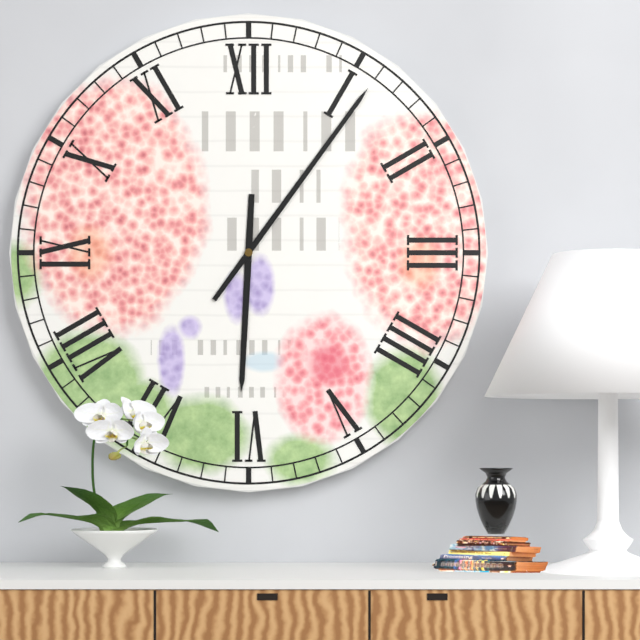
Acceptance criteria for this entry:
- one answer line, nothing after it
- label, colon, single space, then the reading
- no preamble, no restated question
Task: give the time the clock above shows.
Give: 6:06
